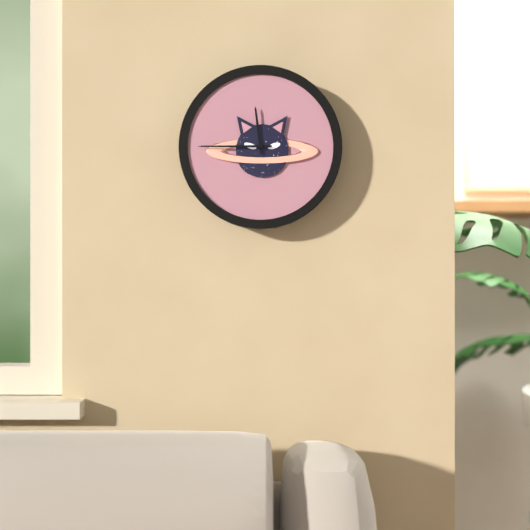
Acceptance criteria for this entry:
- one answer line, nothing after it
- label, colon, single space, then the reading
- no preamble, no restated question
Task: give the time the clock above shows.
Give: 11:45
